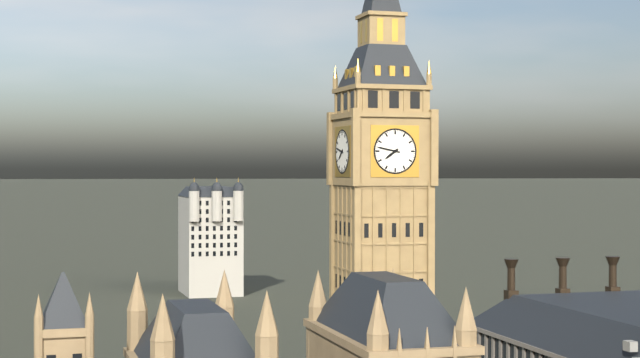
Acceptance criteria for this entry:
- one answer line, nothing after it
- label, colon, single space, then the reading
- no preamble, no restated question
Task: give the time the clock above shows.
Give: 7:47
